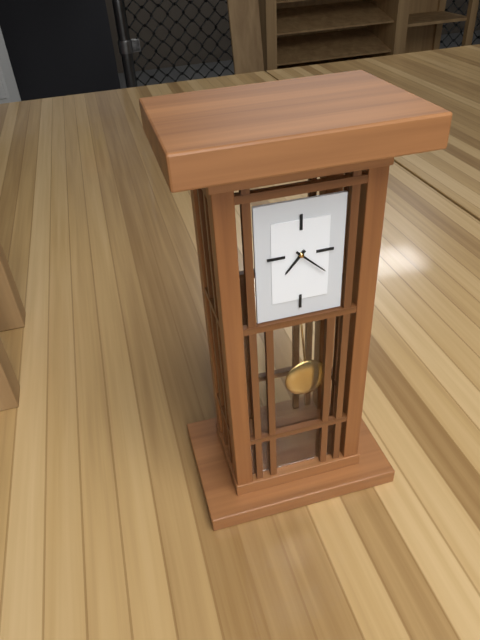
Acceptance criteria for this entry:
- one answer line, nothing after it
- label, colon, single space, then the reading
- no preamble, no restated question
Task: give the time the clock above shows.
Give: 7:22
